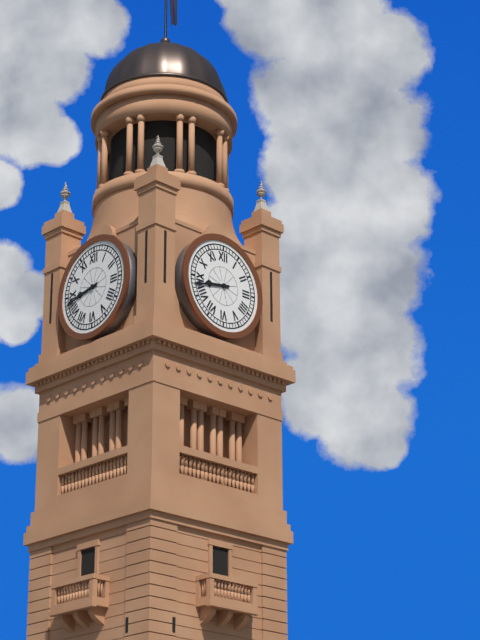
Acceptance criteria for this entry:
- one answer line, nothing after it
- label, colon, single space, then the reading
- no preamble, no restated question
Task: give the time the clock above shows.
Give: 8:43
